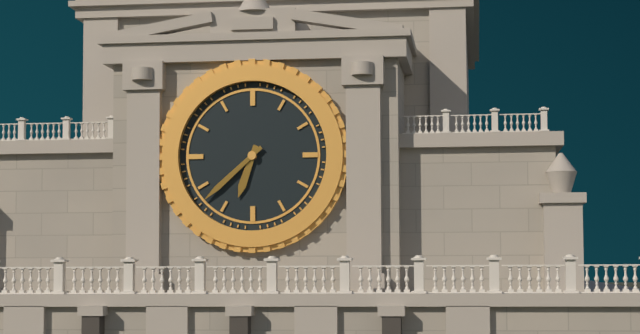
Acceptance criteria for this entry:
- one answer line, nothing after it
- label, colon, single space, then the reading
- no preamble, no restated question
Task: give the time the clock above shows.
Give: 6:38
